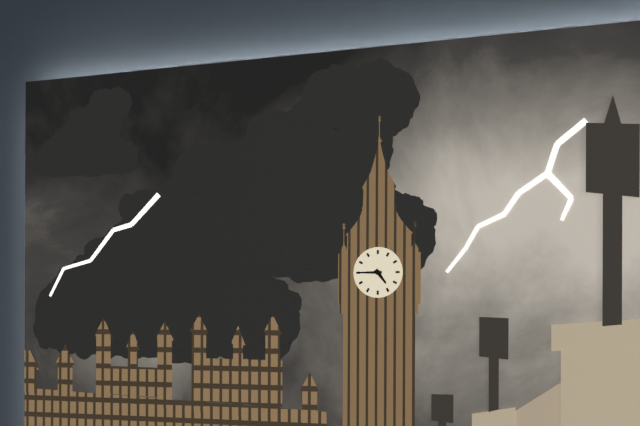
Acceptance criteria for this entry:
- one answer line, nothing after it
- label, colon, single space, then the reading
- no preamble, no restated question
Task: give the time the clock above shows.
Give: 4:45
